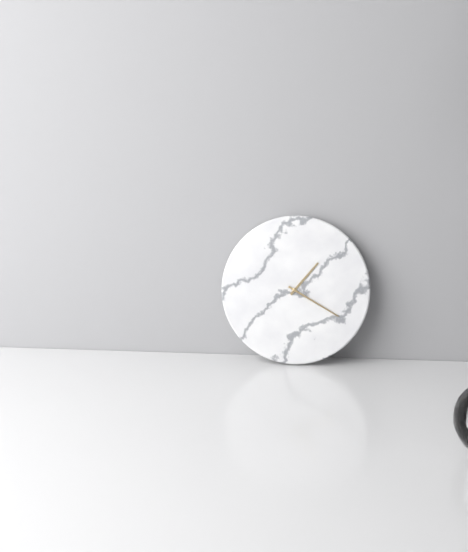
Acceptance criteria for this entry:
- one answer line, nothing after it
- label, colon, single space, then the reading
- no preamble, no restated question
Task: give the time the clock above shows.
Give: 1:20
